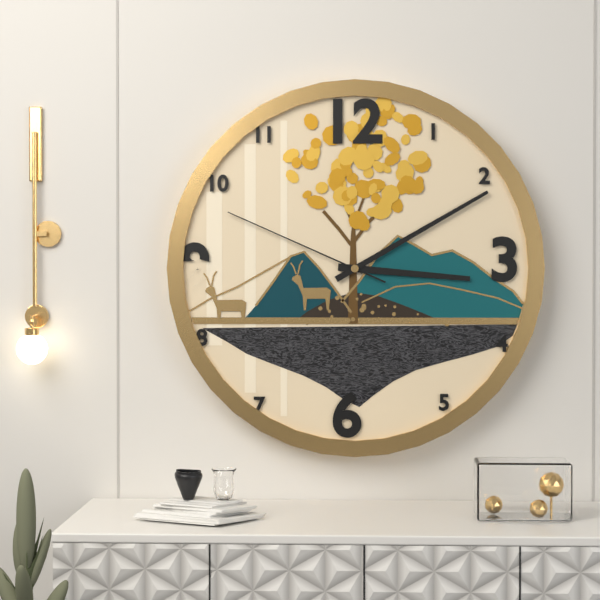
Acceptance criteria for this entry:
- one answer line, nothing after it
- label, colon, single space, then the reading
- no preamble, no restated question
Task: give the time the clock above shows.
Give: 3:10:49
